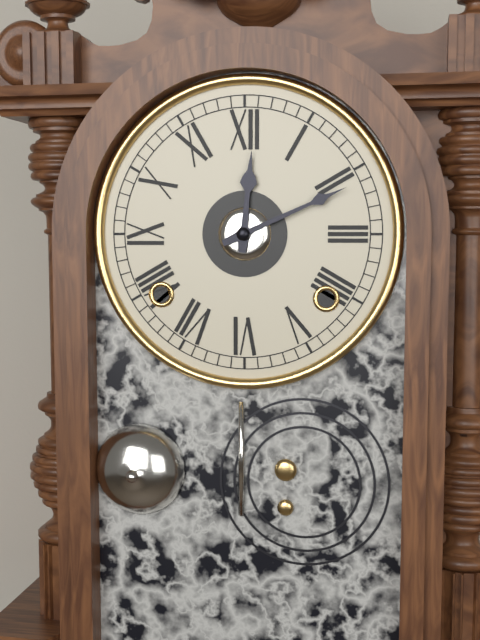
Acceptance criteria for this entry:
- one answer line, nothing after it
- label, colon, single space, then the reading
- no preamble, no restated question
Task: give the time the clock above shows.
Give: 12:11
